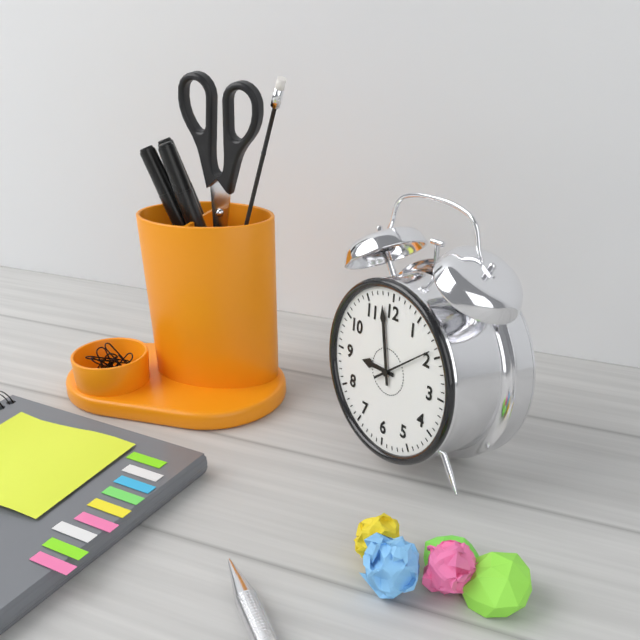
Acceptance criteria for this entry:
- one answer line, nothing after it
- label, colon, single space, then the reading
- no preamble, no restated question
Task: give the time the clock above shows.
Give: 8:58:09
